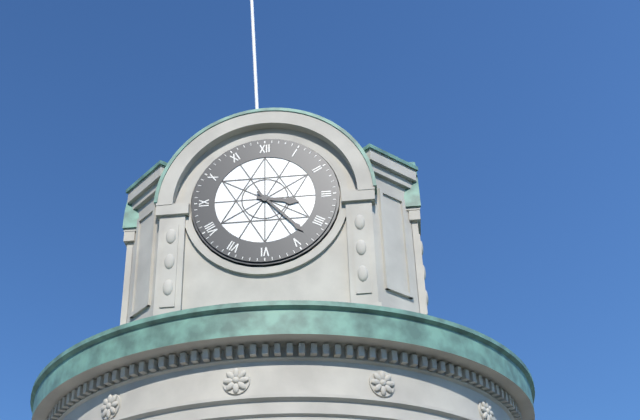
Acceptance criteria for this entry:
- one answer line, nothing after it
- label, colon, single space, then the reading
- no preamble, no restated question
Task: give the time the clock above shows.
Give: 3:23
